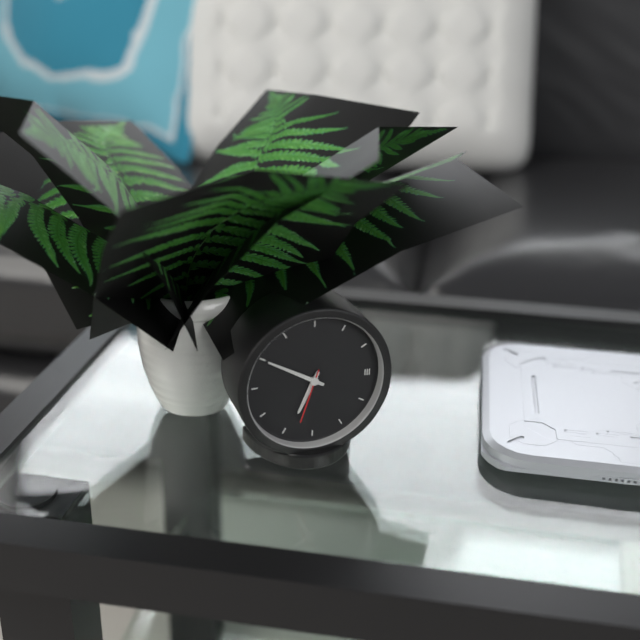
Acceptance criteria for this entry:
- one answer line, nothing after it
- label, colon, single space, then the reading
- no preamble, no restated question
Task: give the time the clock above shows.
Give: 6:50:33
